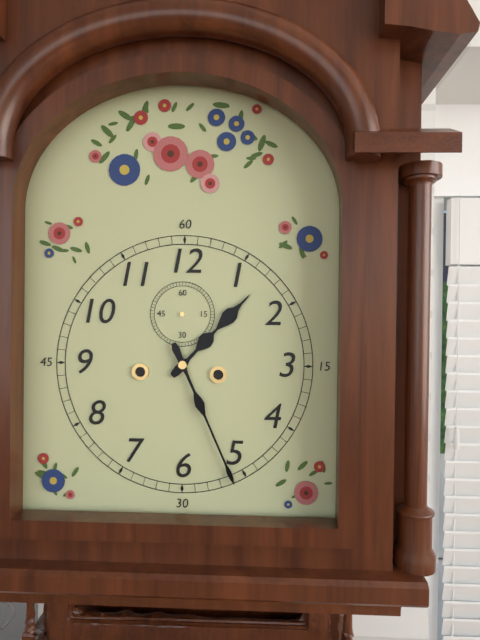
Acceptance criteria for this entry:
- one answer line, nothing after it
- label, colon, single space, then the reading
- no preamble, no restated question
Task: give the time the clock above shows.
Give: 1:26
